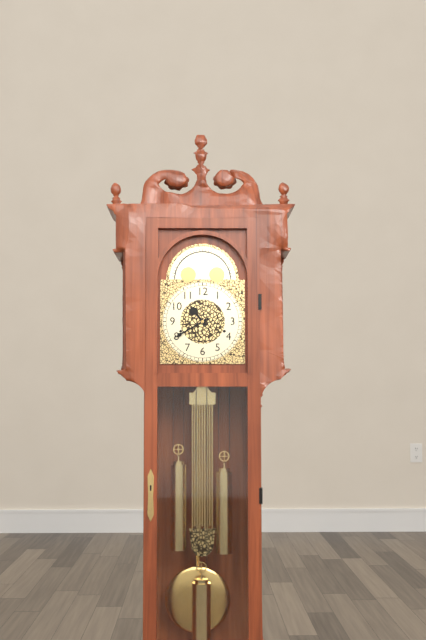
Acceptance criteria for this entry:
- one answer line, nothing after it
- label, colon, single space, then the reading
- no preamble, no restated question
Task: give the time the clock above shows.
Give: 10:40
